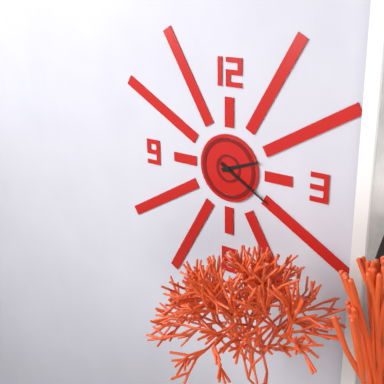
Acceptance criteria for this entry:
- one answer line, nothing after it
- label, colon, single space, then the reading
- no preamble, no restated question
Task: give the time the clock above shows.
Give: 2:20
